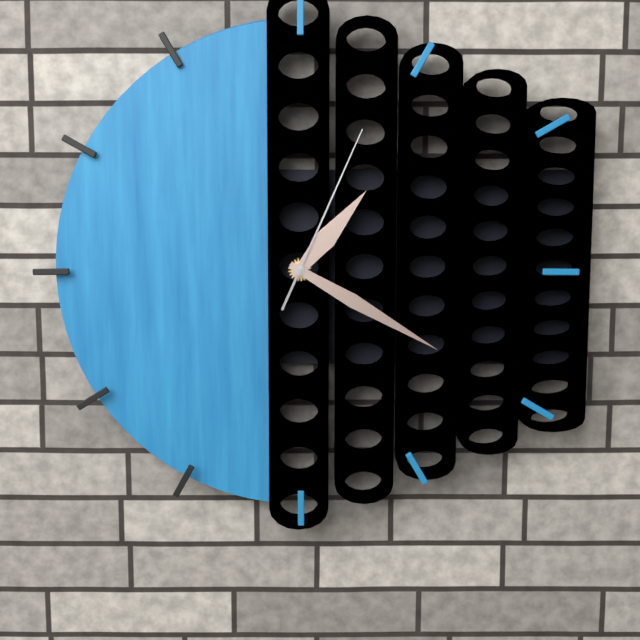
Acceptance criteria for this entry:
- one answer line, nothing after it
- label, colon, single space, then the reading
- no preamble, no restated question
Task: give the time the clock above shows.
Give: 1:20:04
